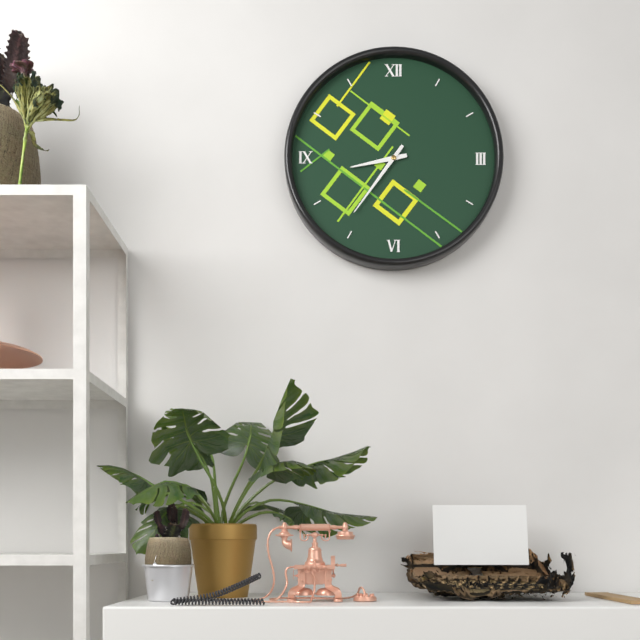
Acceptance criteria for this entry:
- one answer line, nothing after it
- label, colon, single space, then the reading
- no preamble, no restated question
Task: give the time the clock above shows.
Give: 8:36
